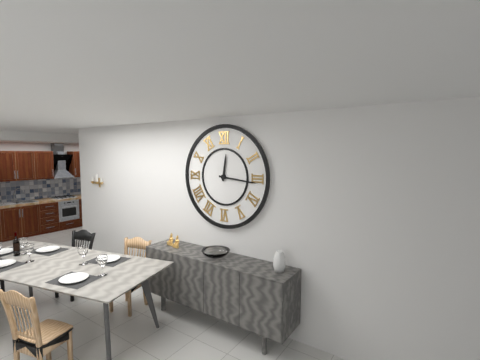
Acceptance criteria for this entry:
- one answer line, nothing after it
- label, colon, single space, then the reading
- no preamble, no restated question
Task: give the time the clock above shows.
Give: 12:16
